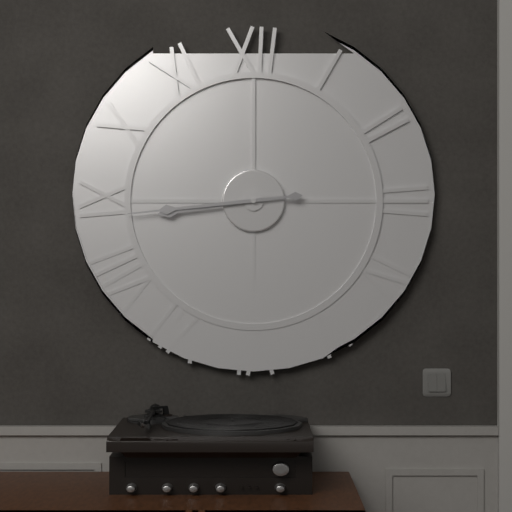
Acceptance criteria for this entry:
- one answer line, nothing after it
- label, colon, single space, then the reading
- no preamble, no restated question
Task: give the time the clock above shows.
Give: 8:44
